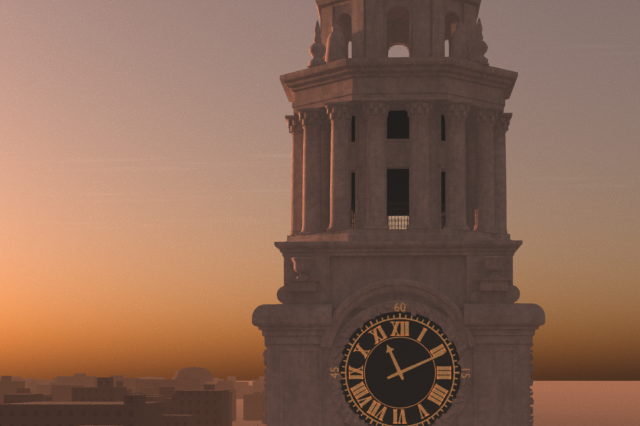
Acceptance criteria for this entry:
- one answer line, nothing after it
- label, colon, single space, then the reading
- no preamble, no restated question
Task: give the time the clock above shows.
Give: 11:11
